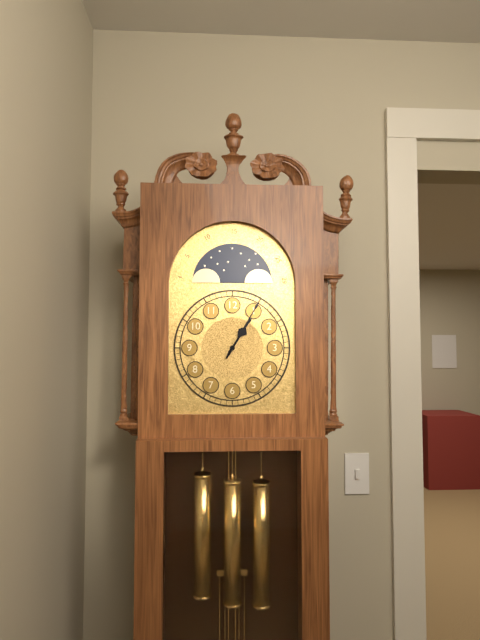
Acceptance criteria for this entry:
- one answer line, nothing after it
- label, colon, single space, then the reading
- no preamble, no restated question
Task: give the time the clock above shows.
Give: 1:05
